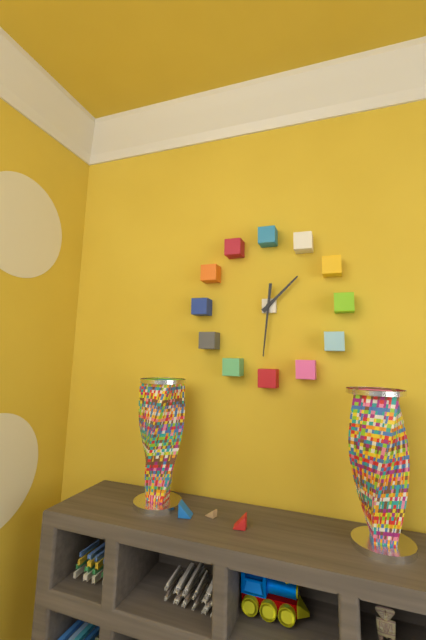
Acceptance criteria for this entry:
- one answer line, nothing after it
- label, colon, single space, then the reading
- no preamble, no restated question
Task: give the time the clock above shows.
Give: 1:31
